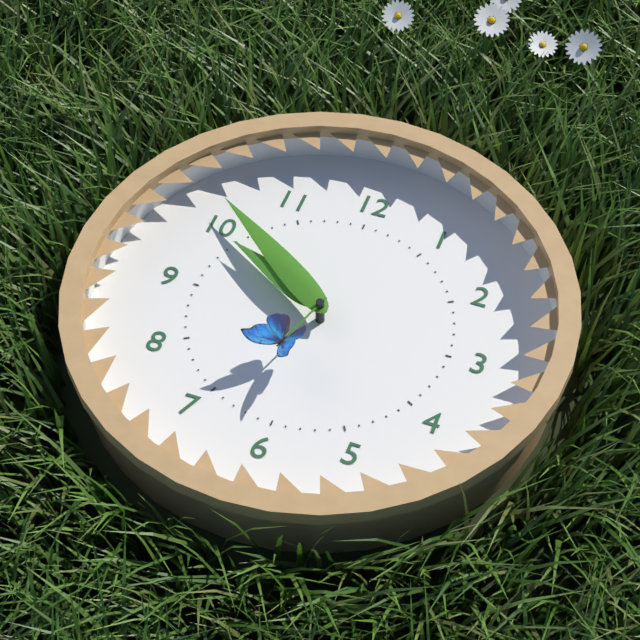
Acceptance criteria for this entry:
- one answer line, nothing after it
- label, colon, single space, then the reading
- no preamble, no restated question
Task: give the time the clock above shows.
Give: 9:51:33
